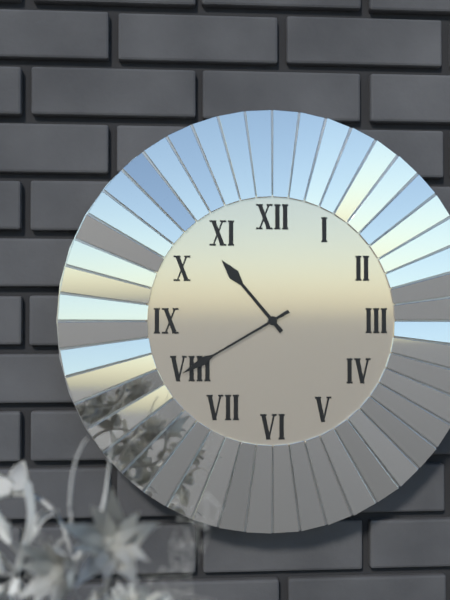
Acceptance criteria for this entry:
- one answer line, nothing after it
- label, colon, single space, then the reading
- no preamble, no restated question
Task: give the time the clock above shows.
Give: 10:40
